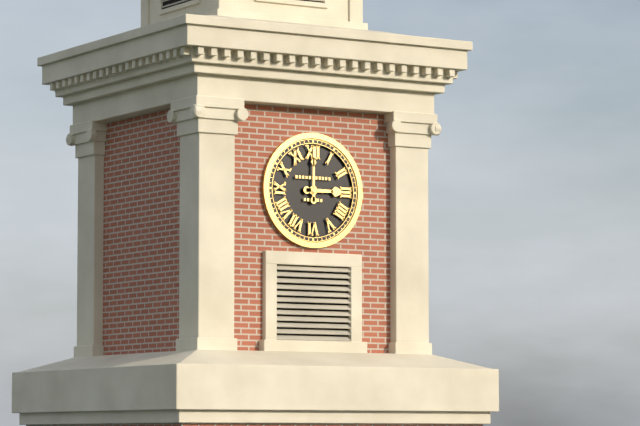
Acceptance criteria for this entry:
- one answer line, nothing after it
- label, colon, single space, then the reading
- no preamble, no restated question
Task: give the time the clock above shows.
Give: 3:00
